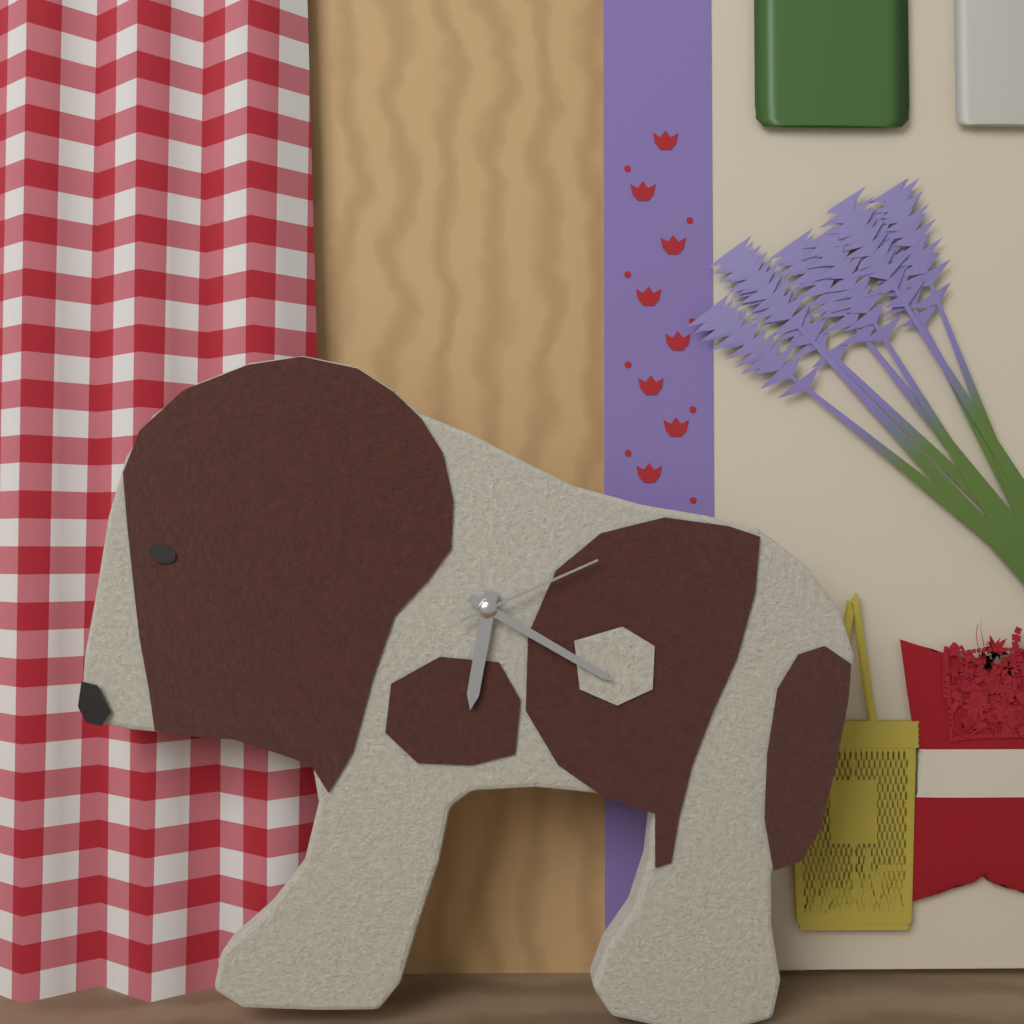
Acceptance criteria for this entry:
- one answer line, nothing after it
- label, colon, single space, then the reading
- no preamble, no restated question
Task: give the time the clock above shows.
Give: 6:20:11
